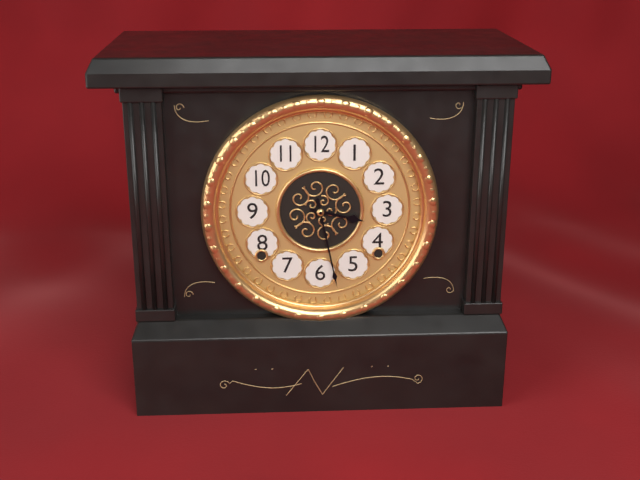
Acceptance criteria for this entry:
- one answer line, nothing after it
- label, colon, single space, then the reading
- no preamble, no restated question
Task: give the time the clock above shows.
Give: 3:28
